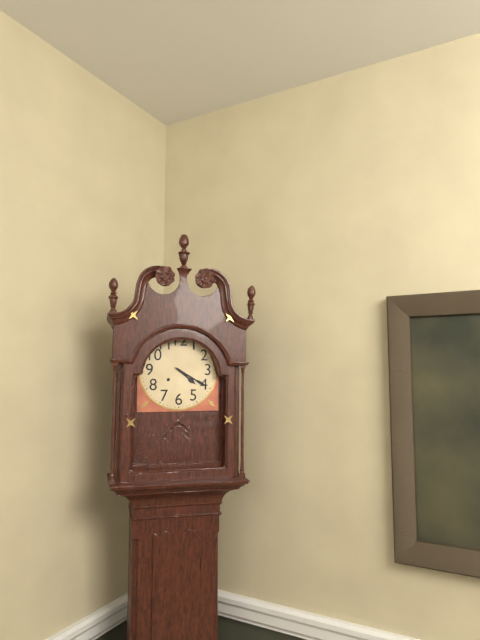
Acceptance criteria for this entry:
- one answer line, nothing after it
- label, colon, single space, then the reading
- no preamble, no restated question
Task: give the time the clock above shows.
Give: 4:20
